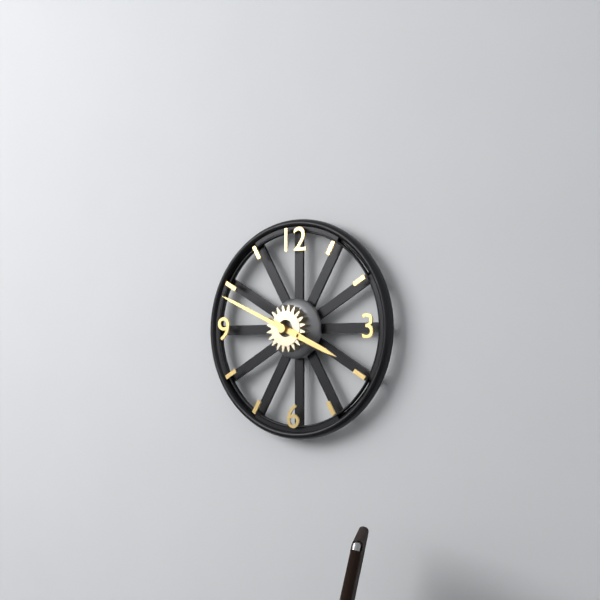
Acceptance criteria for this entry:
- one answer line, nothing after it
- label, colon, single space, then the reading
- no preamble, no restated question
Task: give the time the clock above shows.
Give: 3:49
